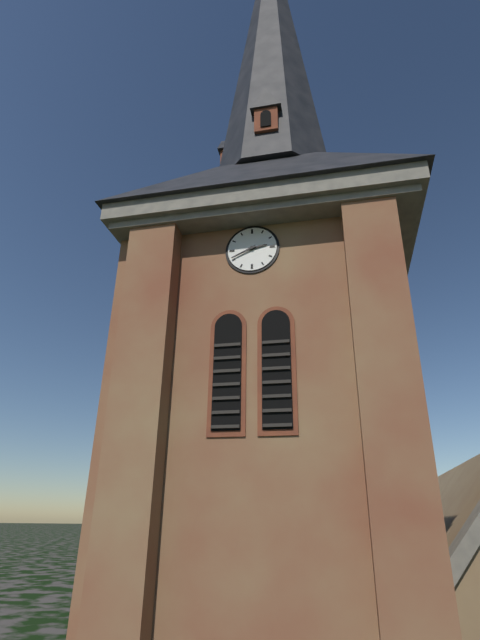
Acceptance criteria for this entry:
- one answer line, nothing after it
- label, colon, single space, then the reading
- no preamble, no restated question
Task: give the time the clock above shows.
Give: 2:41
